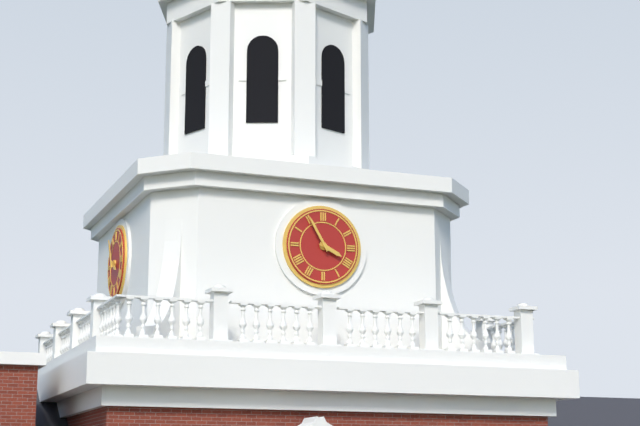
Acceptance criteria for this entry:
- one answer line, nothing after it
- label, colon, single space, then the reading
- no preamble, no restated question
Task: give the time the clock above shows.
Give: 3:55
